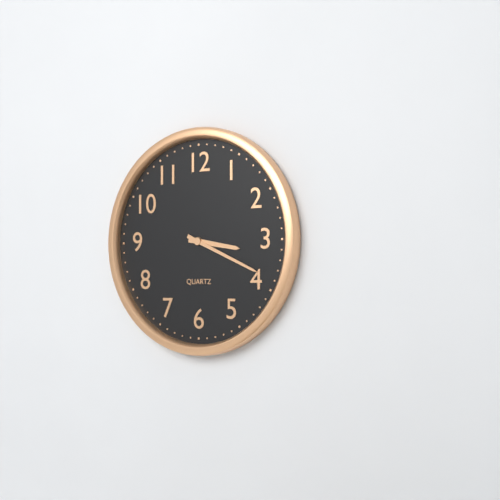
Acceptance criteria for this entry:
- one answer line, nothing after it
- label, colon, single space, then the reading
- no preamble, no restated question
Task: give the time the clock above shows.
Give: 3:19
